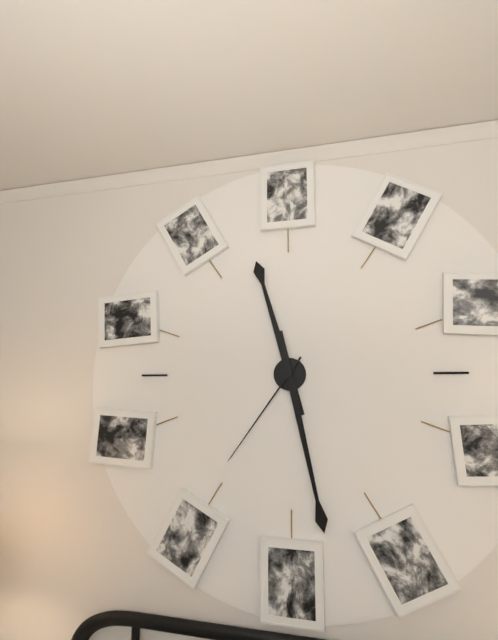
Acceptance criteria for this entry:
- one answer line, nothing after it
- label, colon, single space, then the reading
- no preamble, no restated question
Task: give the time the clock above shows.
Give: 11:28:36
